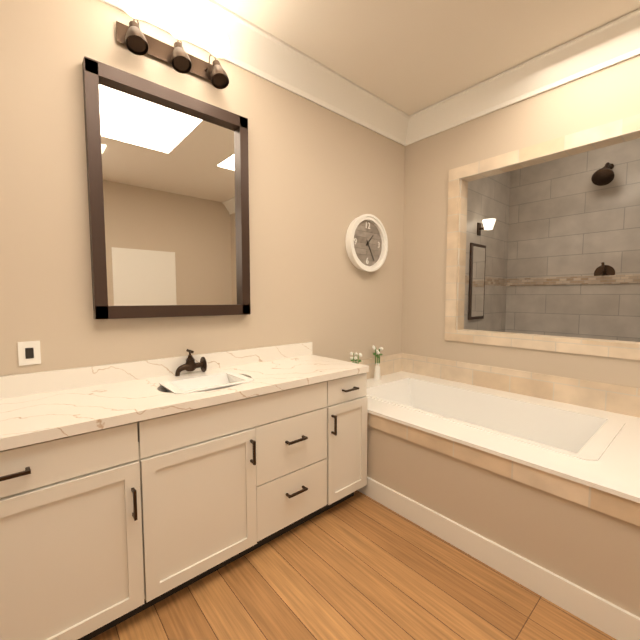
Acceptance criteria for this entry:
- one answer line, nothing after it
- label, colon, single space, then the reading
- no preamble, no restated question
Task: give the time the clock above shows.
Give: 1:25
